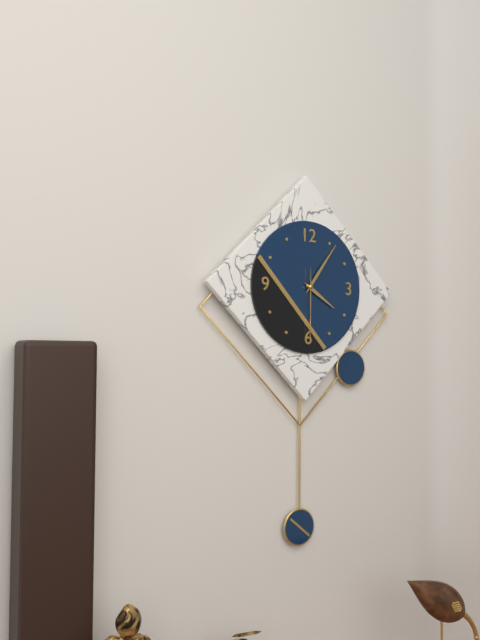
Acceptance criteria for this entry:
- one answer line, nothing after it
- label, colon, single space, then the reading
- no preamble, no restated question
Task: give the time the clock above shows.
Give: 4:06:30
